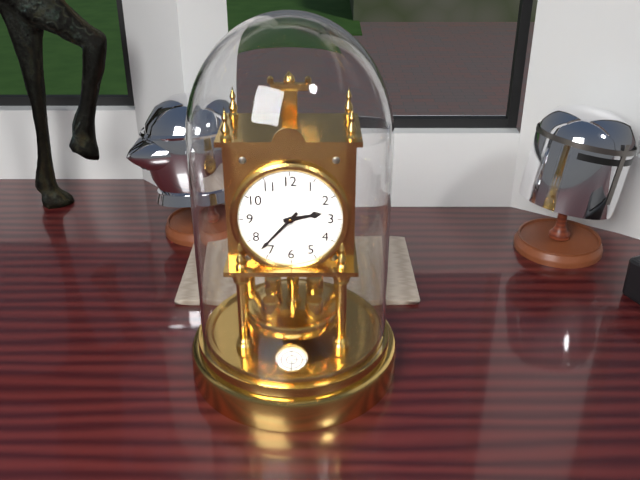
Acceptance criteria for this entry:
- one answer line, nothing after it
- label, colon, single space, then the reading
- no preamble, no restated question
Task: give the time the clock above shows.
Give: 2:37
